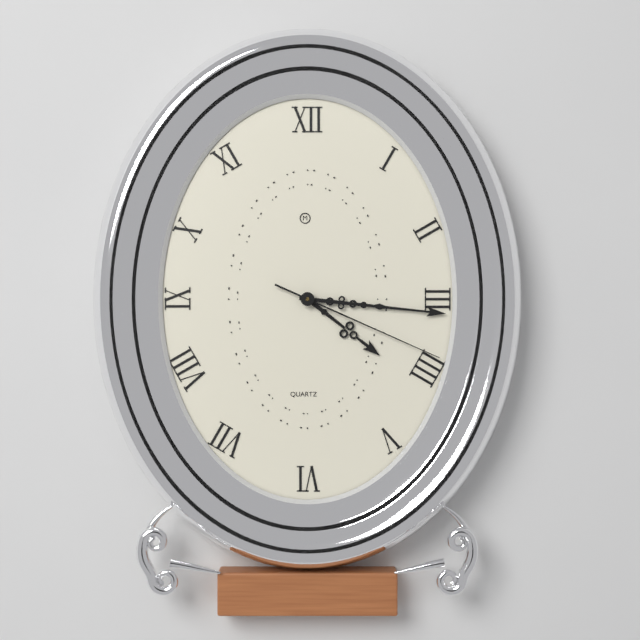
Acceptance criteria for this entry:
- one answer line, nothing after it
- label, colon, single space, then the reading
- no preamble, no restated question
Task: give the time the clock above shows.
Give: 4:16:19
